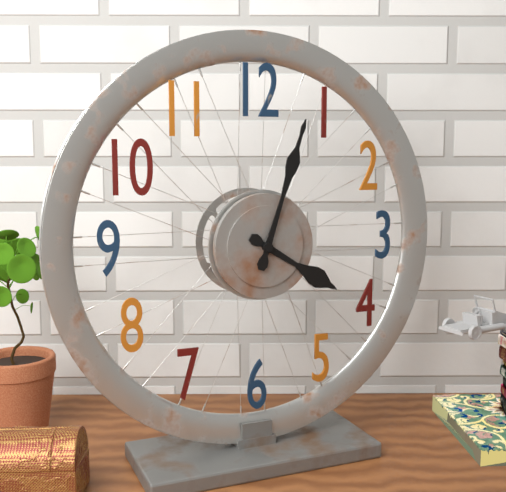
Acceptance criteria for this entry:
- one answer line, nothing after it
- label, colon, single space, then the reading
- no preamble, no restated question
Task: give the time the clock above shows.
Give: 4:03
